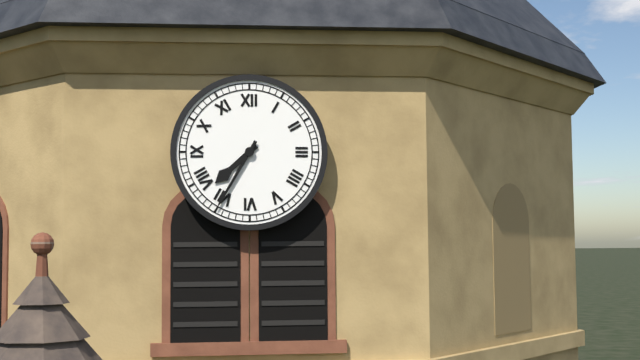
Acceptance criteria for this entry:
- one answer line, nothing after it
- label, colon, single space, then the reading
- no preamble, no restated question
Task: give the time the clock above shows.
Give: 7:35
